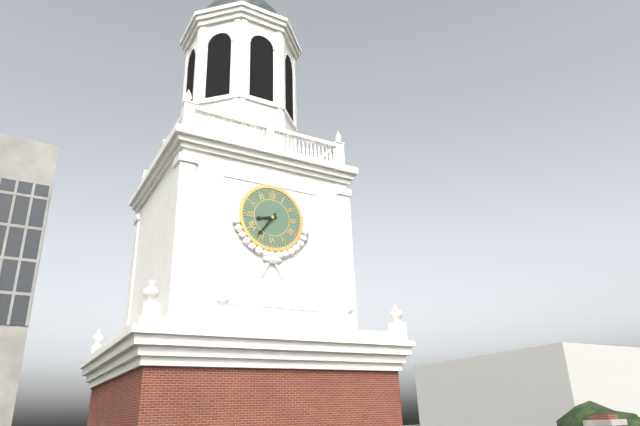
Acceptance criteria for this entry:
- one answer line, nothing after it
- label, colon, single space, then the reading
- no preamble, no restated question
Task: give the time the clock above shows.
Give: 8:36
